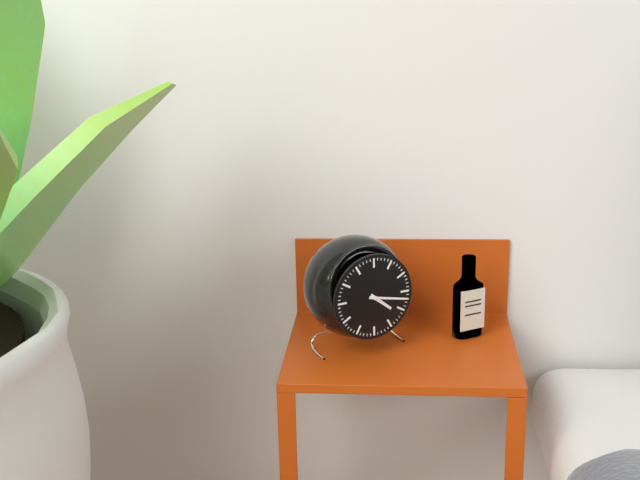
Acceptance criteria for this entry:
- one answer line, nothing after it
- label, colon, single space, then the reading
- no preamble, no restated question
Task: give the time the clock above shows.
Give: 4:17
